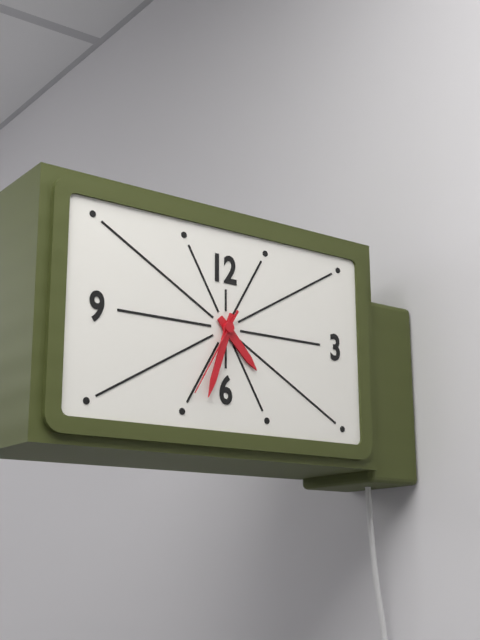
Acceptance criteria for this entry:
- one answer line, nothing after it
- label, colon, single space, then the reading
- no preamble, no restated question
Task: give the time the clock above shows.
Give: 4:33:35
